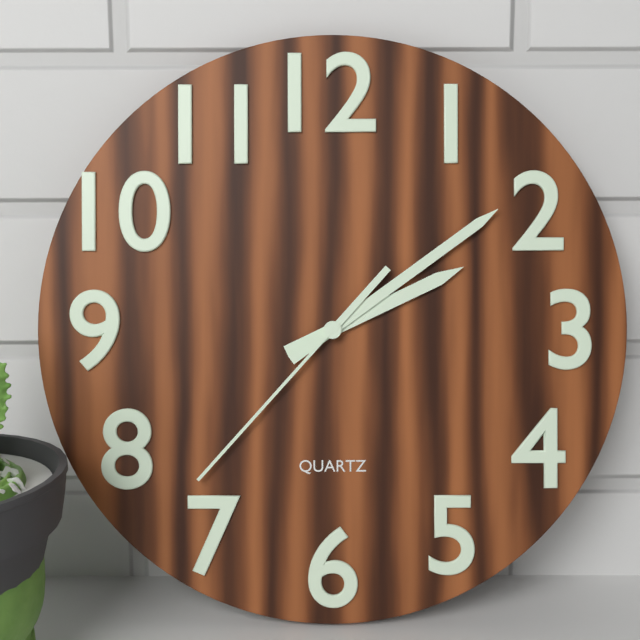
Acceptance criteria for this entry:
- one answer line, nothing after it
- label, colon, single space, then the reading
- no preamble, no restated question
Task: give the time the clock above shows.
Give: 2:09:37
